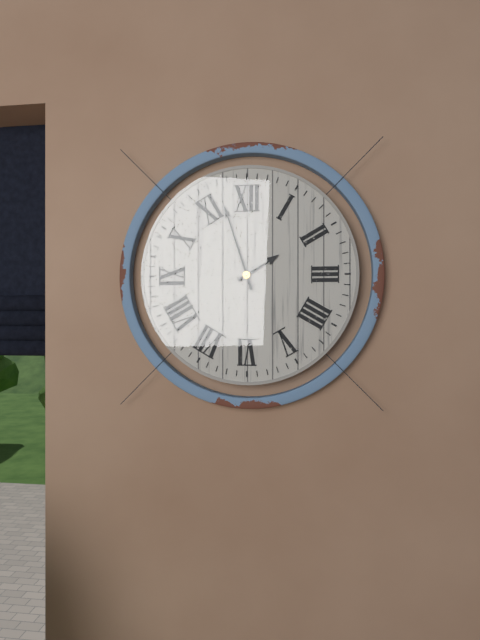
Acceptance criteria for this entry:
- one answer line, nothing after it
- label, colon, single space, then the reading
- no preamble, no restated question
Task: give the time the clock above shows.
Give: 1:57
